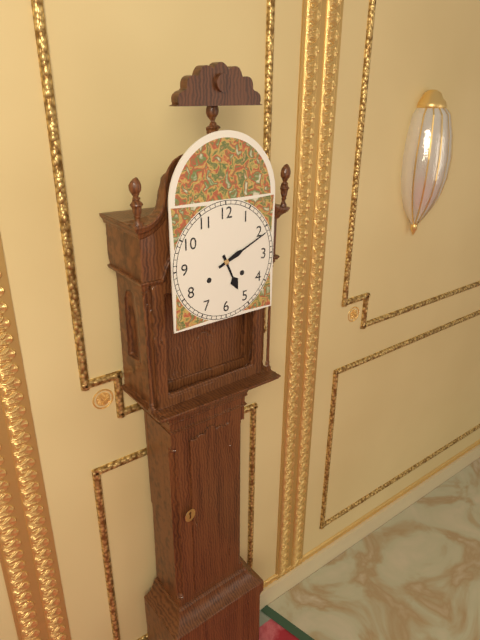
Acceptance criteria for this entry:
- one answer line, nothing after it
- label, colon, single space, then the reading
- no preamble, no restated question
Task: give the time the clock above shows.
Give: 5:11
